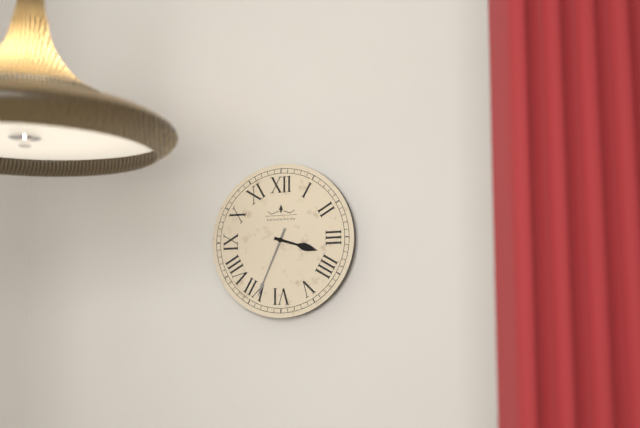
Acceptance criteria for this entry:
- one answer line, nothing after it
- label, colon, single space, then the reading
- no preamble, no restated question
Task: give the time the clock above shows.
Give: 3:34
